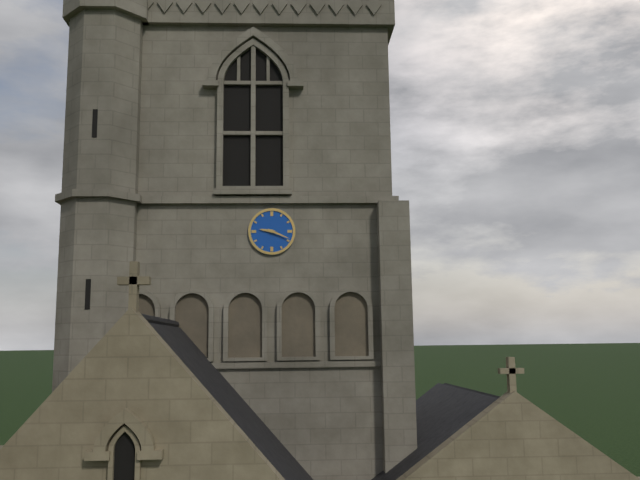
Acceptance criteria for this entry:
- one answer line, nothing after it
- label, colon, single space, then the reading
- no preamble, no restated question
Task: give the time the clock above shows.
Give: 9:19
